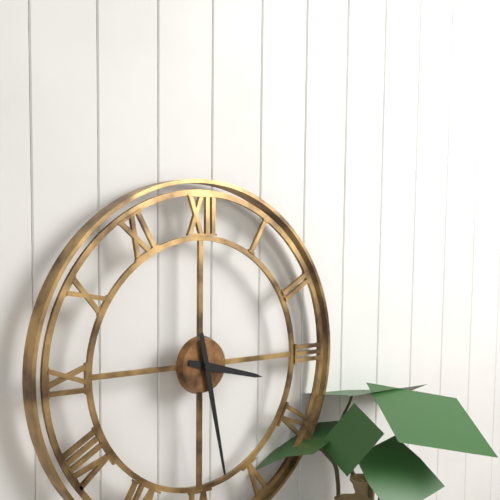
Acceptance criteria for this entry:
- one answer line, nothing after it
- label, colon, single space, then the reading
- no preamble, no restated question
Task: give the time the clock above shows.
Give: 3:28
